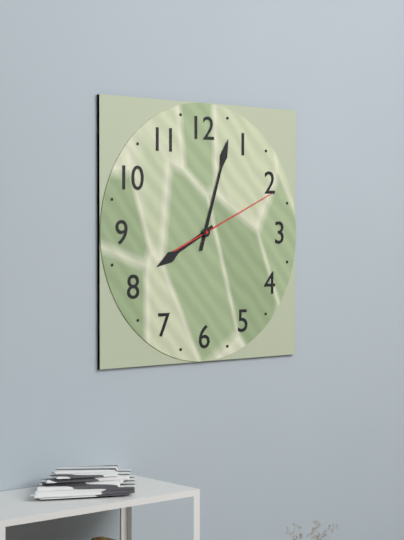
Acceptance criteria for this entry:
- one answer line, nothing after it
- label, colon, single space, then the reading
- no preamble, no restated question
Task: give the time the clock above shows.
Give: 8:03:11
